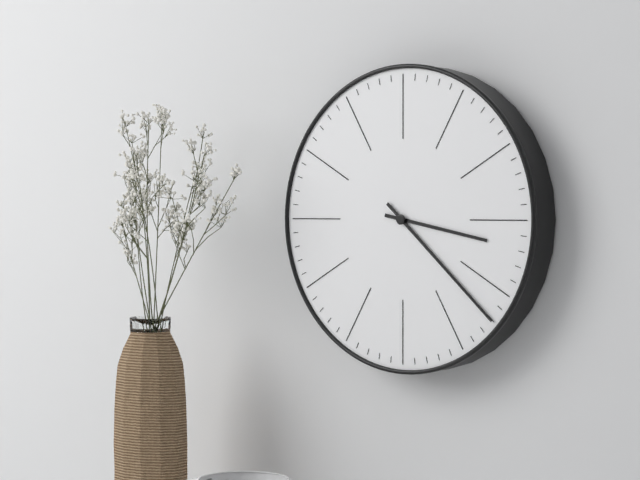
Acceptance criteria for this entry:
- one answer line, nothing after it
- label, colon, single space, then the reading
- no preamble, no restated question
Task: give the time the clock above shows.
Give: 3:22
